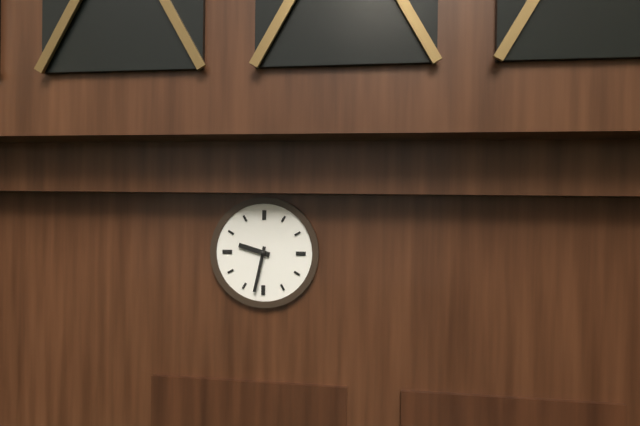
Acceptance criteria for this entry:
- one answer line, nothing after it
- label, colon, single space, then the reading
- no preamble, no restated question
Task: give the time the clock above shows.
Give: 9:32
